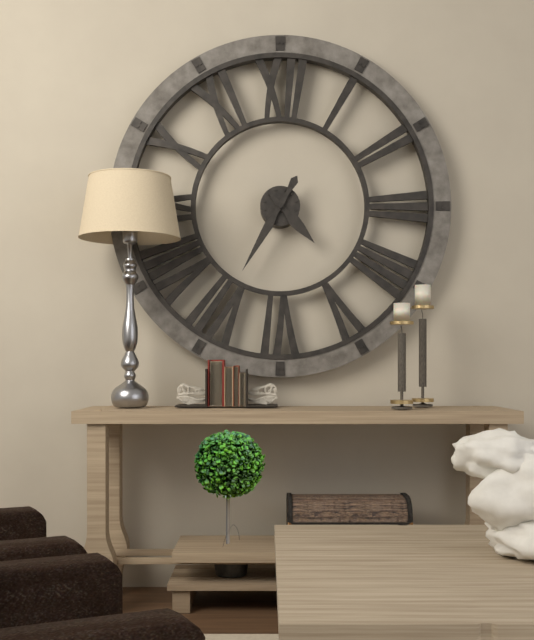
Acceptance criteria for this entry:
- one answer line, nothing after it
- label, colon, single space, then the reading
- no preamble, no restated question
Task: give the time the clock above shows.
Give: 4:35
